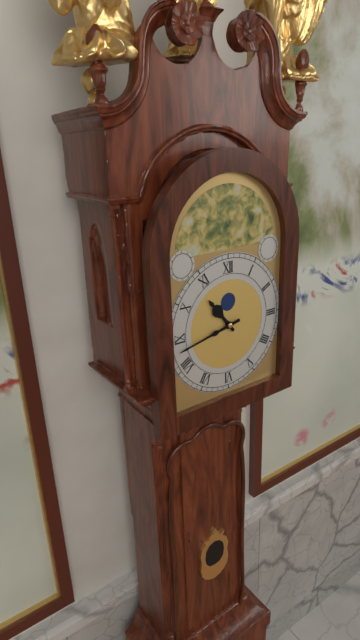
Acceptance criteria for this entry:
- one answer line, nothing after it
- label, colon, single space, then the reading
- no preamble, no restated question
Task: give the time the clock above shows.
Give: 10:43
